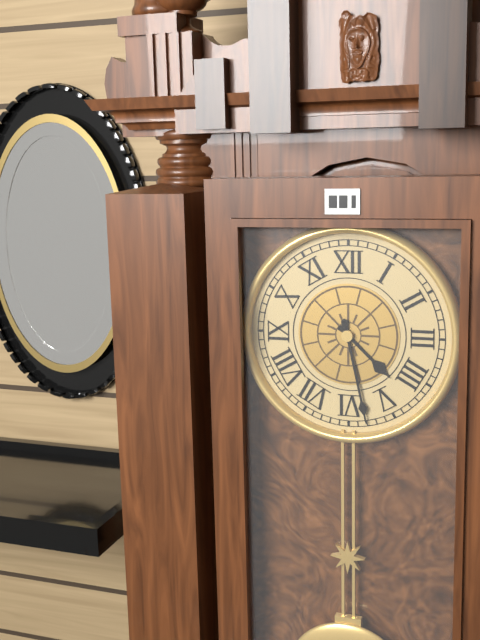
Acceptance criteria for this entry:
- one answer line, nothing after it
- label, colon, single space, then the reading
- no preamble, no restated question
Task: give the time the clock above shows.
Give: 4:28
